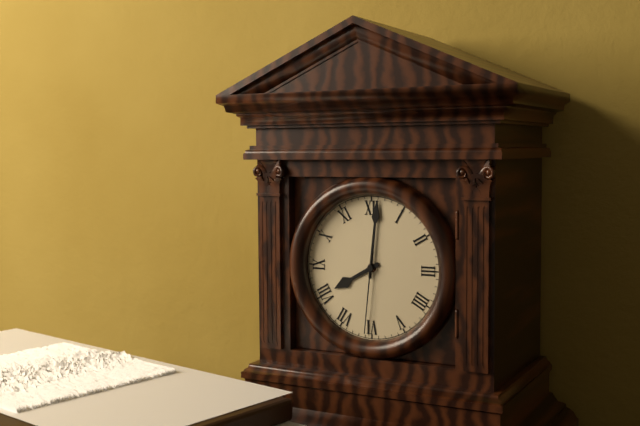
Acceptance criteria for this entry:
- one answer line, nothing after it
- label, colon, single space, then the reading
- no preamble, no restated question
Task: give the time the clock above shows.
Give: 8:01:31
